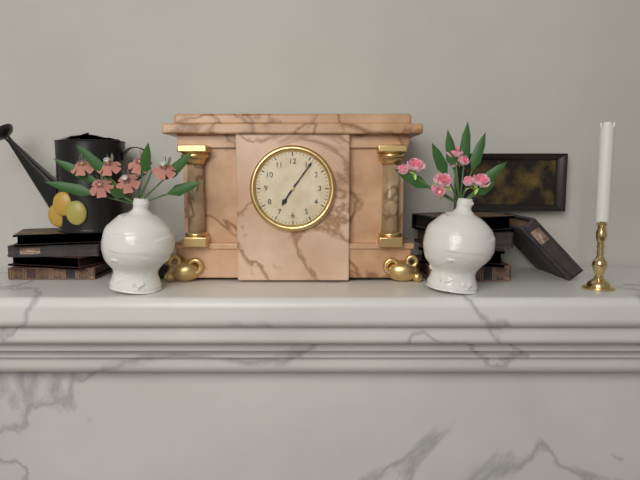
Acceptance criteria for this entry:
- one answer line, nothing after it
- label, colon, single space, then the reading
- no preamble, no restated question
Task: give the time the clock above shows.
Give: 7:06
